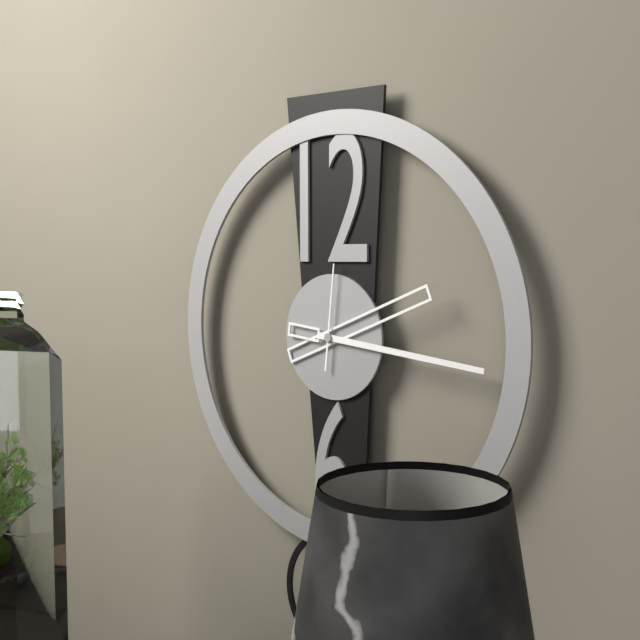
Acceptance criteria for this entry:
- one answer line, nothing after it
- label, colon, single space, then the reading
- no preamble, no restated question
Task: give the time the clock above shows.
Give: 2:16:01
